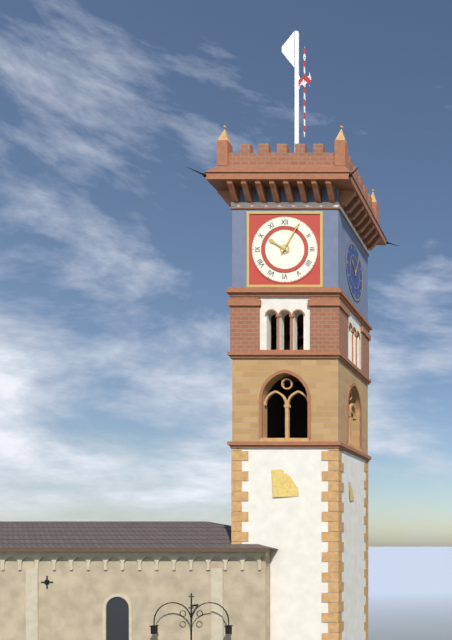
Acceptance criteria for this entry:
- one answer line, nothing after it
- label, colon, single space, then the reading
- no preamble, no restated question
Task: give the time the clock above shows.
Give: 10:05
